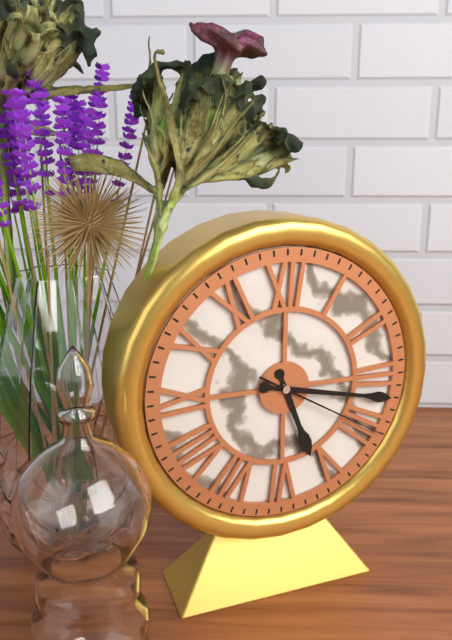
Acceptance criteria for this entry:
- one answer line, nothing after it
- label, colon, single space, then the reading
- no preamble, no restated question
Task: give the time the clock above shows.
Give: 5:17:20
